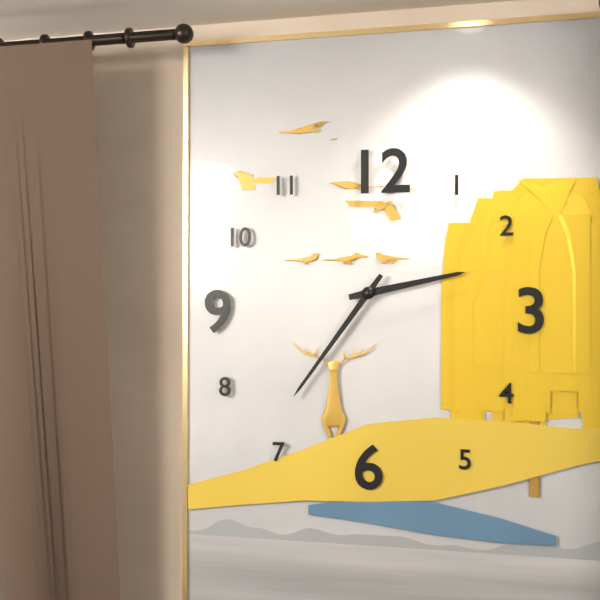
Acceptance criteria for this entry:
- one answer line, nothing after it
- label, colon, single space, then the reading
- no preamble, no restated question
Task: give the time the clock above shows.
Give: 2:36
